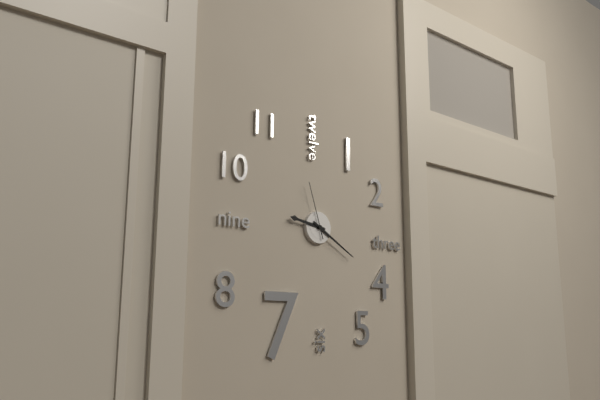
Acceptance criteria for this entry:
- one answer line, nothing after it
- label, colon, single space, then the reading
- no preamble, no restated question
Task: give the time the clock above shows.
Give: 9:20:57
